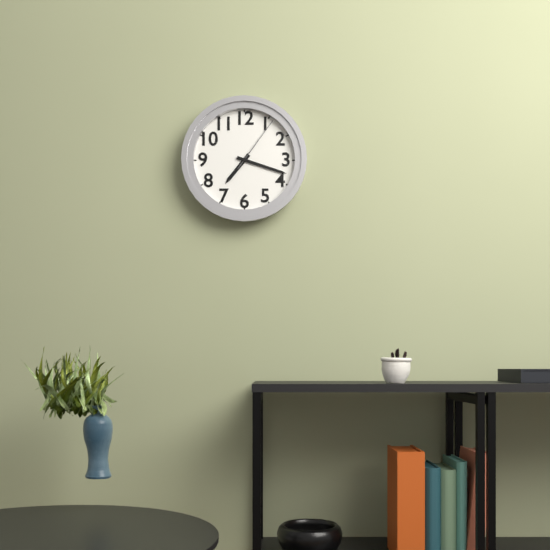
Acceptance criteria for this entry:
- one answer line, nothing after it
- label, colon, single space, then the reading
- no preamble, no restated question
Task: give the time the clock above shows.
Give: 7:18:06
